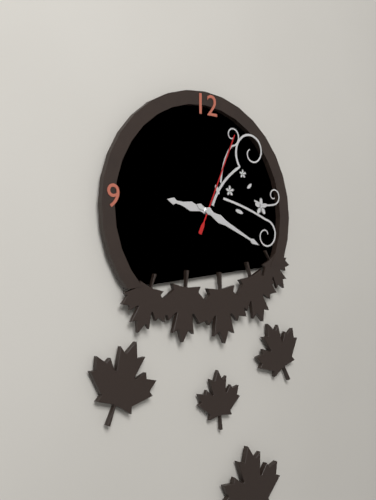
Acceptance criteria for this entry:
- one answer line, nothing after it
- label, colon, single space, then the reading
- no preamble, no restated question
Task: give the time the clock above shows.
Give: 9:19:04
